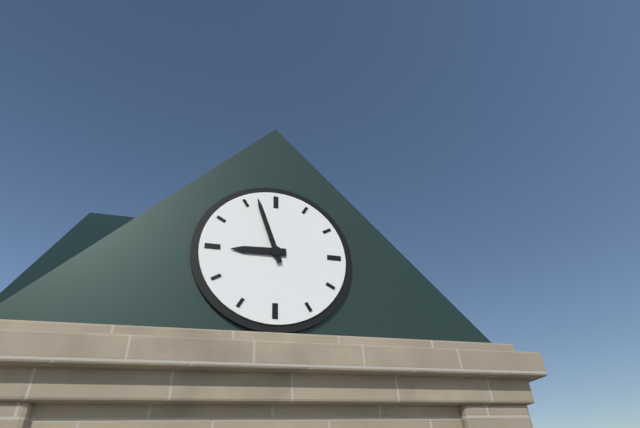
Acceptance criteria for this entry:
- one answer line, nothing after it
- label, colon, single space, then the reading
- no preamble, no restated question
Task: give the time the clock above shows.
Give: 8:57
